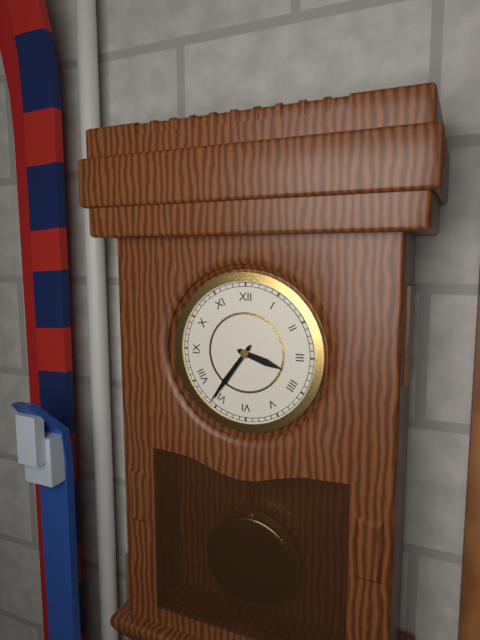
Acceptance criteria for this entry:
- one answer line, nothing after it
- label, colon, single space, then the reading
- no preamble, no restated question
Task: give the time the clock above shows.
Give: 3:36
